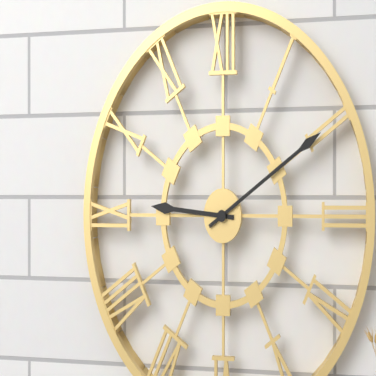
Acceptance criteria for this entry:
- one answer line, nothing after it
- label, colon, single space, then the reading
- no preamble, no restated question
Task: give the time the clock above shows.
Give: 9:10
